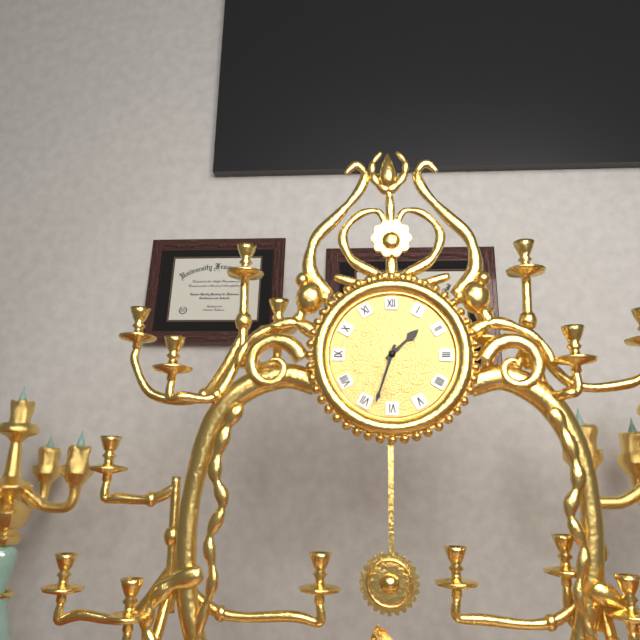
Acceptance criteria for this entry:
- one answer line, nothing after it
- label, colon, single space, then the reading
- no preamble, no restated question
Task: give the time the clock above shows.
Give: 1:33
